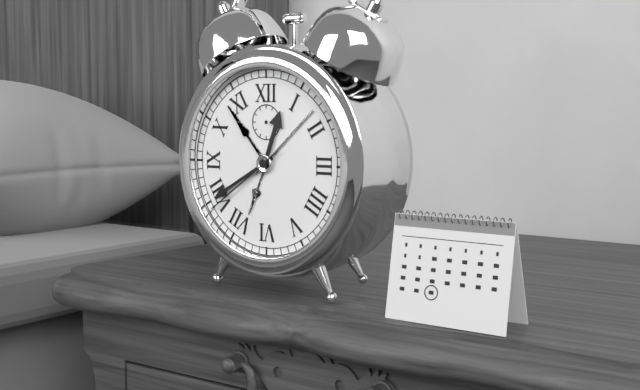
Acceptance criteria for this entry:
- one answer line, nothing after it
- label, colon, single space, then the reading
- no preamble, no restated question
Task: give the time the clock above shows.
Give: 12:40:39
